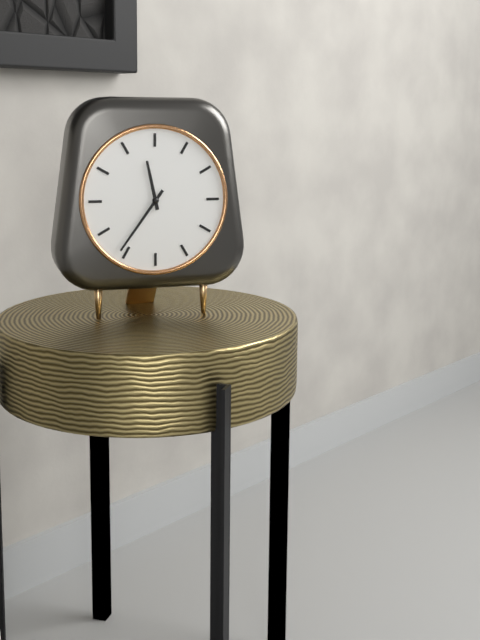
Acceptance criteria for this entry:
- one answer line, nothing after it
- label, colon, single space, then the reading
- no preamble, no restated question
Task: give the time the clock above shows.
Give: 11:36
